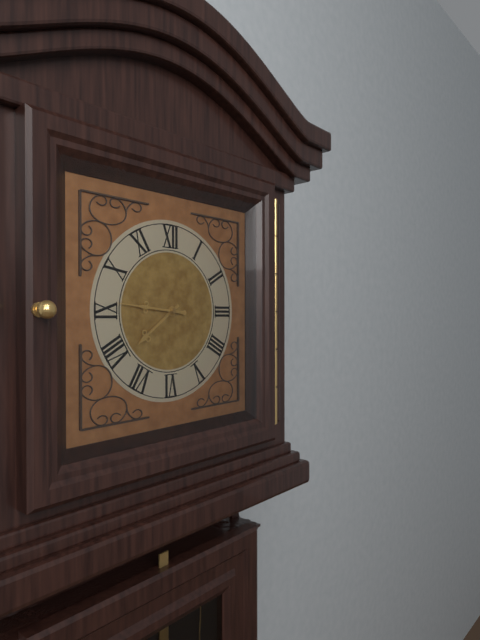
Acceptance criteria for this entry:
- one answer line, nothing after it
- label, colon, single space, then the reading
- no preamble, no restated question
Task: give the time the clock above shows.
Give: 7:46
